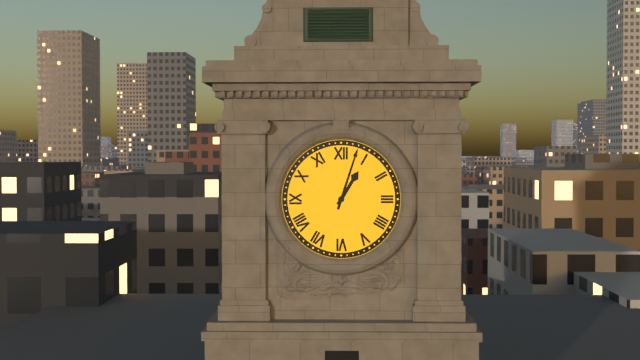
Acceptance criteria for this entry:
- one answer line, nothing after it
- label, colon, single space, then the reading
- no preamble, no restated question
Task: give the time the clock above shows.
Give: 1:03
